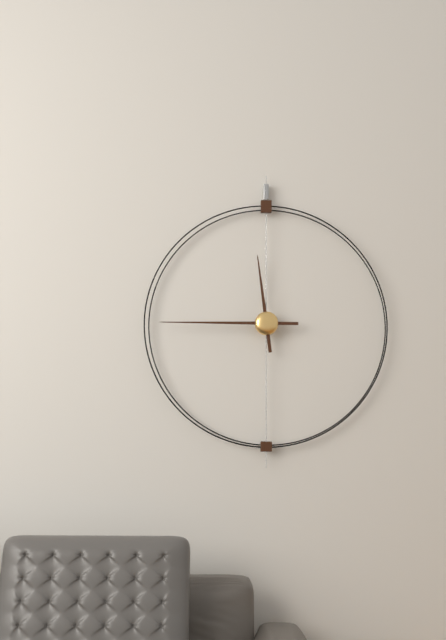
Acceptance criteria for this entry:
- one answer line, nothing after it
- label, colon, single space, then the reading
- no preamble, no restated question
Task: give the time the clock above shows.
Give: 11:45
